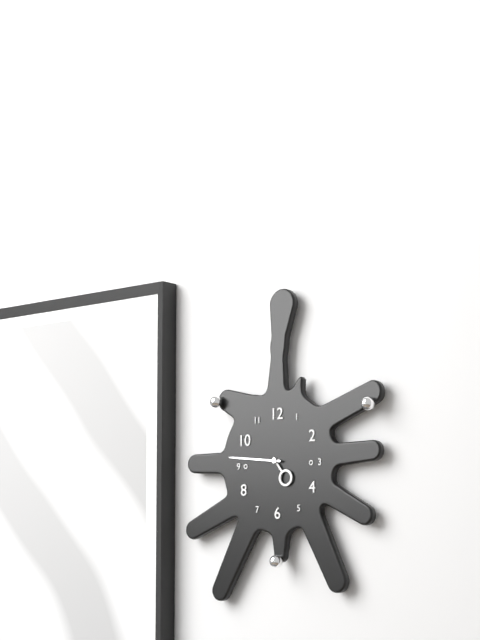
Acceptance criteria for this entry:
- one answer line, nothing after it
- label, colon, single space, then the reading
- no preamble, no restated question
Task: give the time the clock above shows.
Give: 4:46
